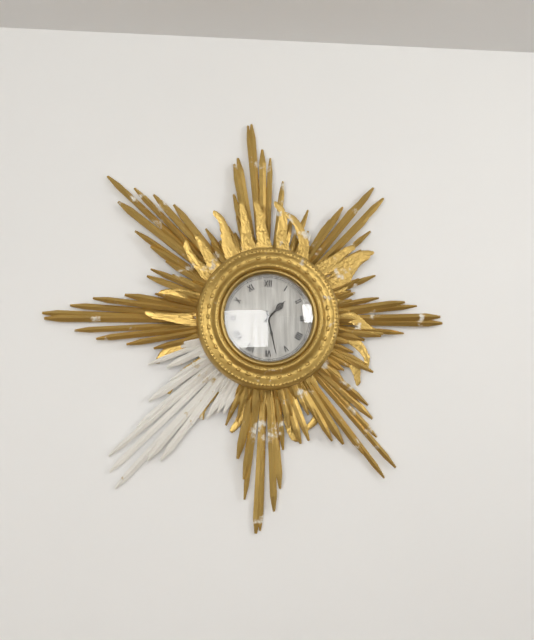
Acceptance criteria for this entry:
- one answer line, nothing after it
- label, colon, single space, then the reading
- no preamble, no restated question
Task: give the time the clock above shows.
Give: 1:28
